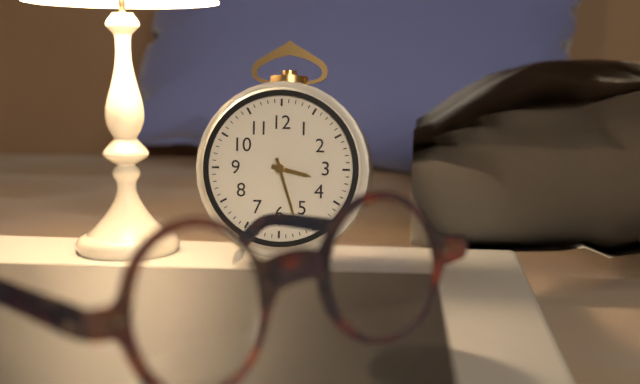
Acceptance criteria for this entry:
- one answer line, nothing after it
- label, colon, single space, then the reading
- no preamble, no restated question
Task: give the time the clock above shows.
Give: 3:27
